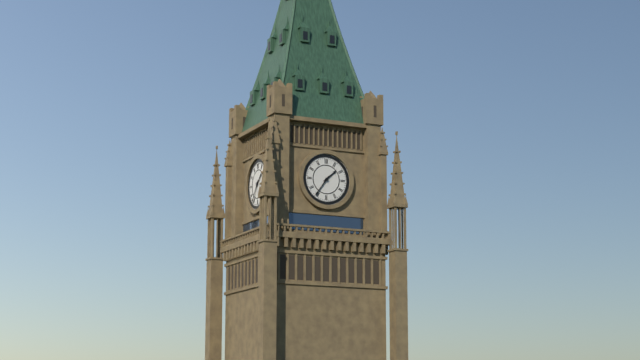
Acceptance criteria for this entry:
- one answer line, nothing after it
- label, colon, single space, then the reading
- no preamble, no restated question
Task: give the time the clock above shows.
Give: 1:36
